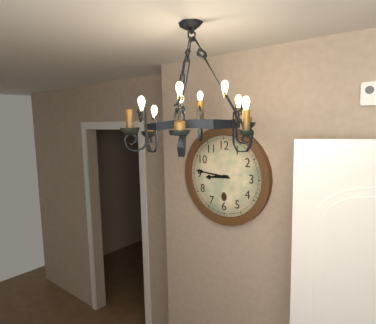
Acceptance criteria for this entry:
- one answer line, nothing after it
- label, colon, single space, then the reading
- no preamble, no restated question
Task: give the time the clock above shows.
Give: 8:46
